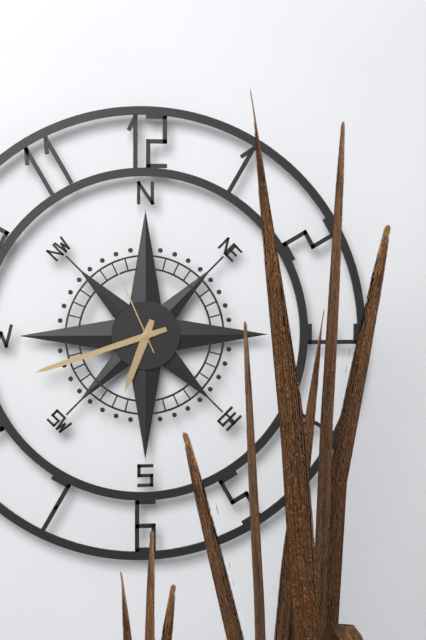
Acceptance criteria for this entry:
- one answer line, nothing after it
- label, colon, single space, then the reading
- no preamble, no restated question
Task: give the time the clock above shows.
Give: 6:42:56
